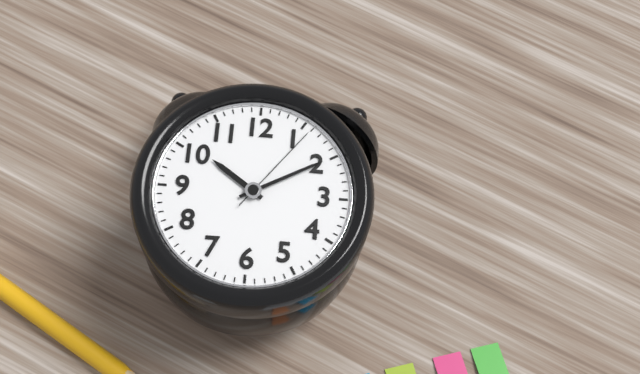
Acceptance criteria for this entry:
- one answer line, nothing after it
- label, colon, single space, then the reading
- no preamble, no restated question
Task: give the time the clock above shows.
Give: 10:10:06
